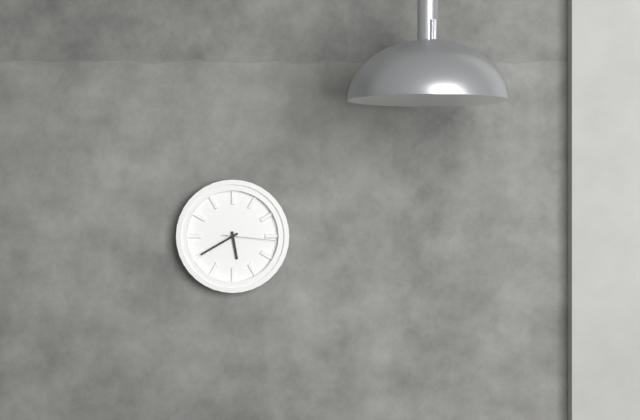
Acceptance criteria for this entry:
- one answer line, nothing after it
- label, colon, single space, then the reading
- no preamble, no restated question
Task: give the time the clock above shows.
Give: 5:40:16
